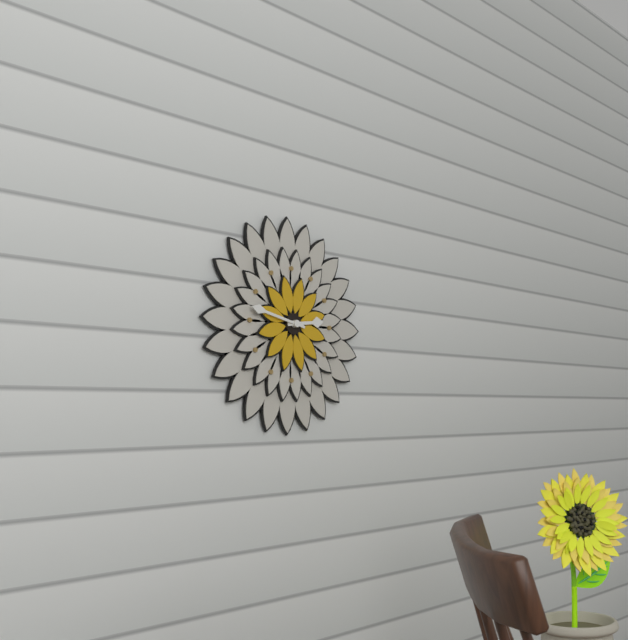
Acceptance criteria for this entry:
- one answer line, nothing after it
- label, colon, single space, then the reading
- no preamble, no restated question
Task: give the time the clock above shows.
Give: 2:47
